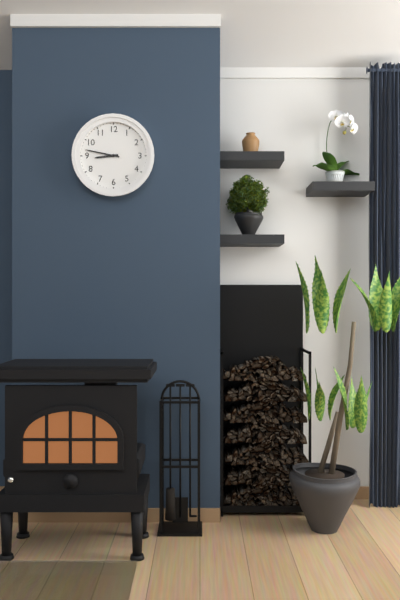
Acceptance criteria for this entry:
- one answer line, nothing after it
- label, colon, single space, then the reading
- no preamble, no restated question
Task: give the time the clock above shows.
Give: 8:47
